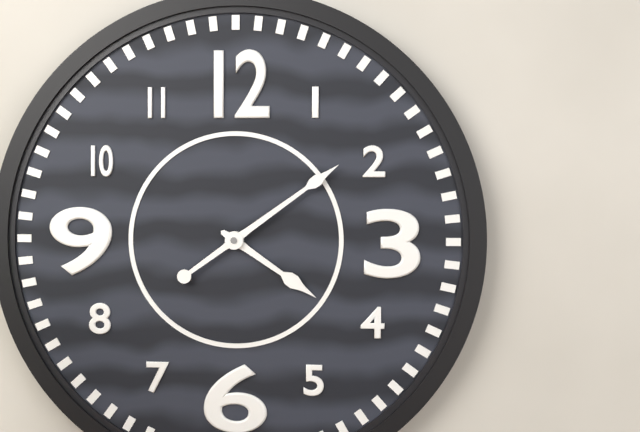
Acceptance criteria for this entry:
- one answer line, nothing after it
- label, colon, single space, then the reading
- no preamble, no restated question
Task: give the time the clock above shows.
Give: 4:09
